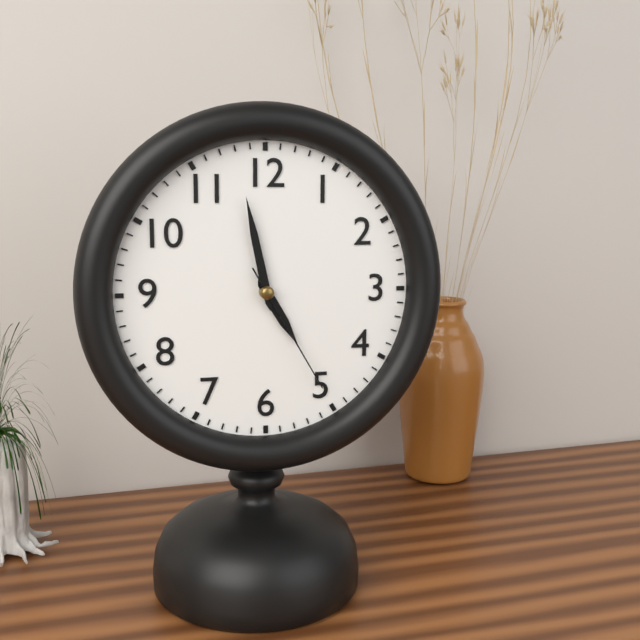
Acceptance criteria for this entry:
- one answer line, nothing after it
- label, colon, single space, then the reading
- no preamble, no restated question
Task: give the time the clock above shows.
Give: 4:58:25
